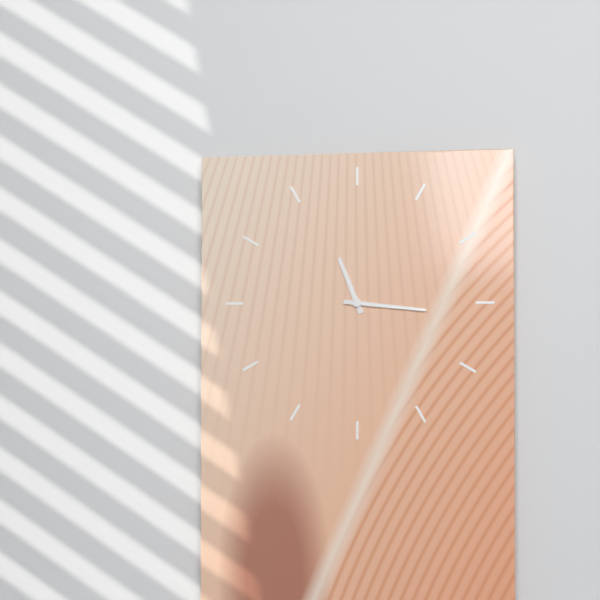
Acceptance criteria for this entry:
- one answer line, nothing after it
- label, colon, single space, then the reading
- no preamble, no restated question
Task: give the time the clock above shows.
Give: 11:16
